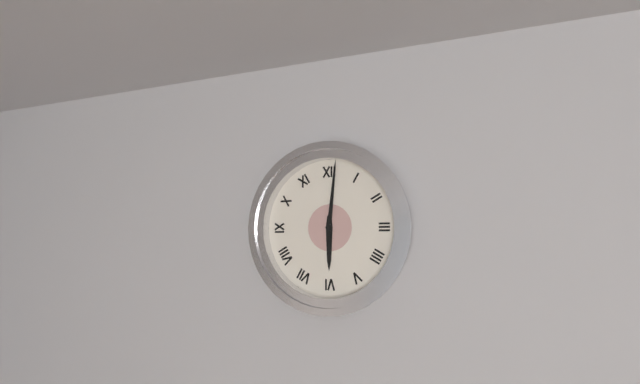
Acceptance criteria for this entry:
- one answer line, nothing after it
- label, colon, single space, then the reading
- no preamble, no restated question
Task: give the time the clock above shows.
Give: 6:01
